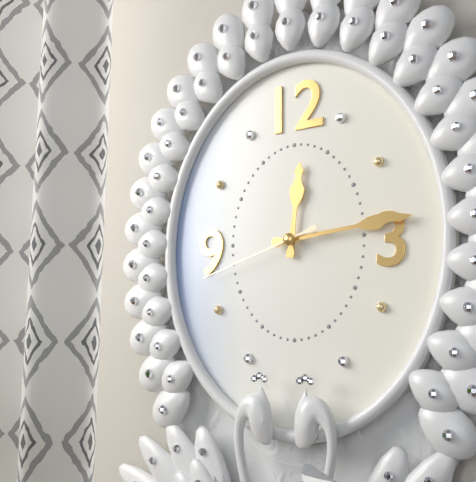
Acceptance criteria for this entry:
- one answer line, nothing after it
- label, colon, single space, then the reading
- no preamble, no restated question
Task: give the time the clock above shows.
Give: 12:14:42
